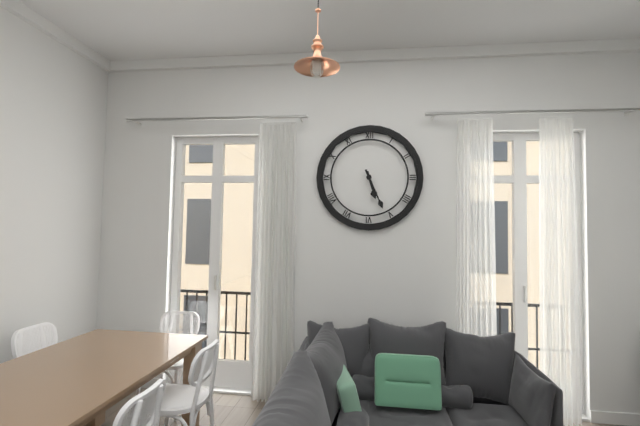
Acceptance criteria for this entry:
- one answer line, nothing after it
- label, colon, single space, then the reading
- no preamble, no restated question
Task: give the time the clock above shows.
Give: 5:26
